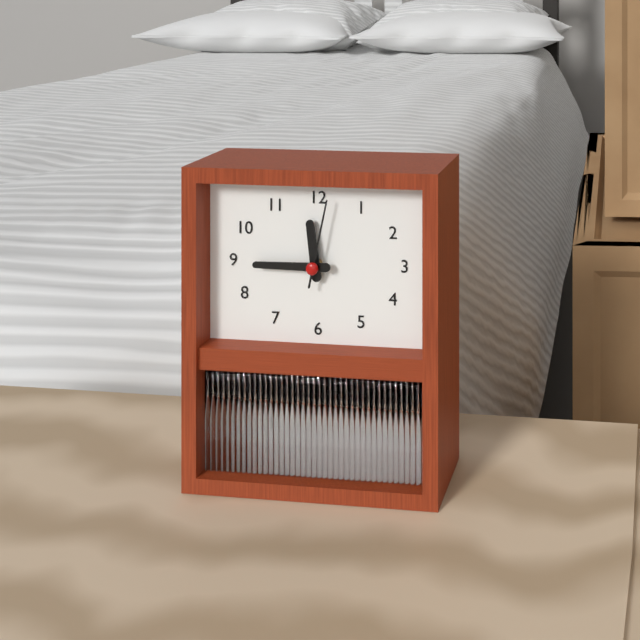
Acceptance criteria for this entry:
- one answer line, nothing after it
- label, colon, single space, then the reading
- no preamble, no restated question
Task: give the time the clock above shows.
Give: 11:45:02
